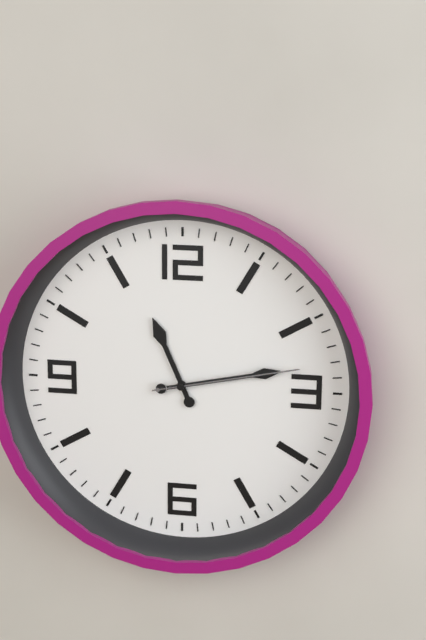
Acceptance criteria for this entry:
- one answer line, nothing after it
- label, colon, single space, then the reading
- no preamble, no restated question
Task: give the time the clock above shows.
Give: 11:13:13
